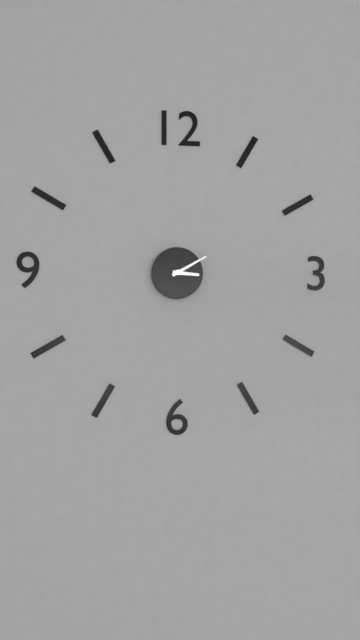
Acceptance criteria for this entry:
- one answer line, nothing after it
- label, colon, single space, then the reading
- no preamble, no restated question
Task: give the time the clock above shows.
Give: 3:10
